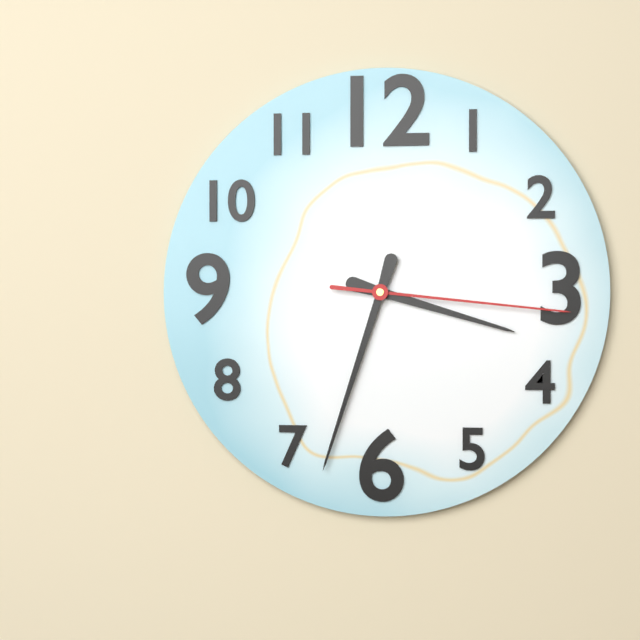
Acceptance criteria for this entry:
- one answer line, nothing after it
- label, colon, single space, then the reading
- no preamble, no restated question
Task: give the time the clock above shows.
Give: 3:33:16
